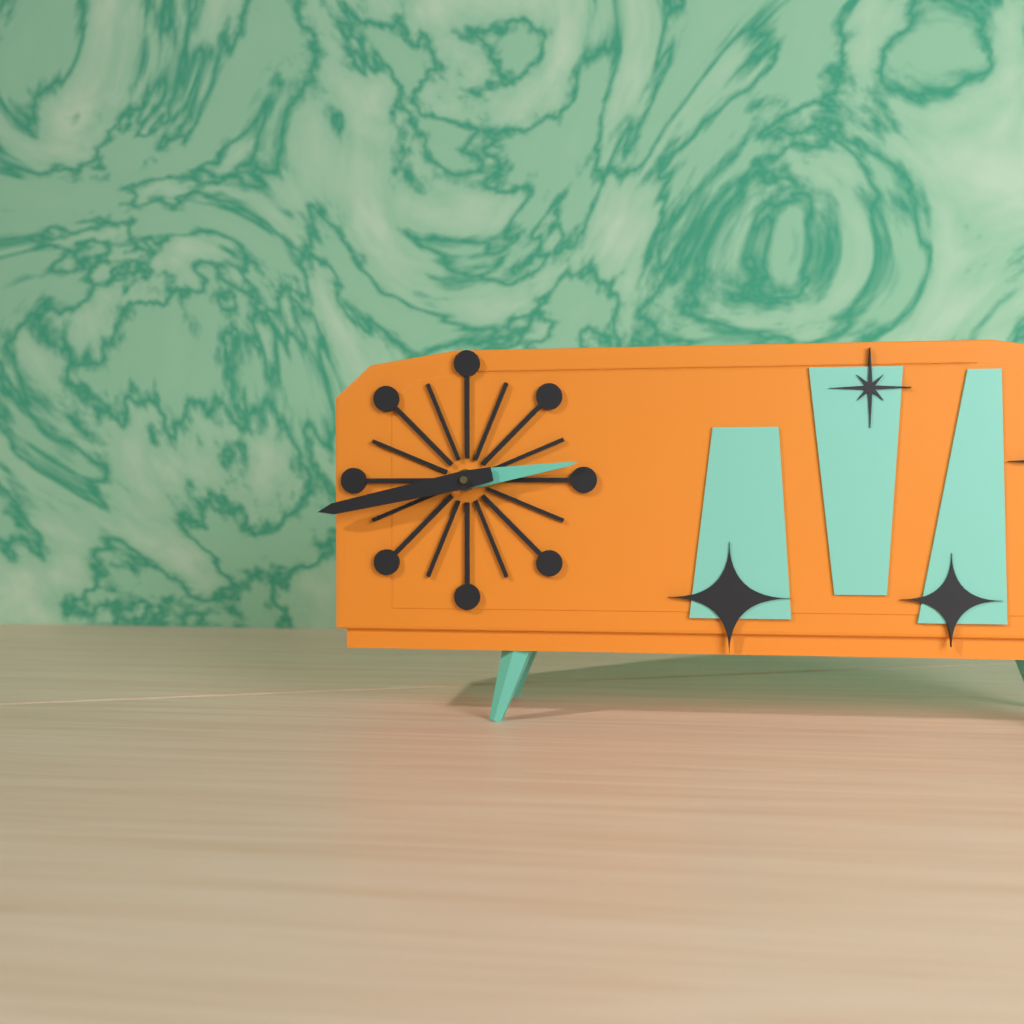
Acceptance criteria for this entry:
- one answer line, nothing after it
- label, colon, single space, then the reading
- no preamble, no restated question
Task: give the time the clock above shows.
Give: 2:43
